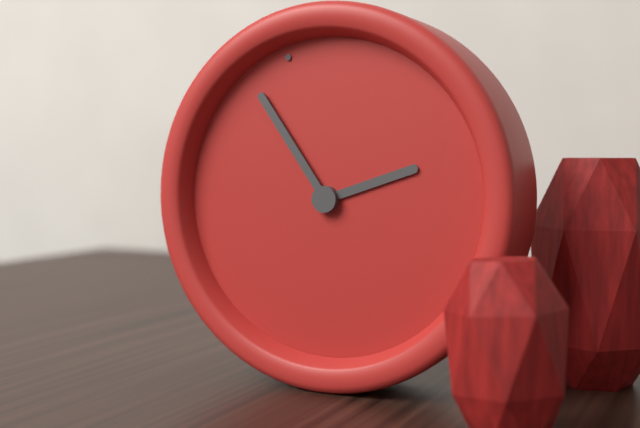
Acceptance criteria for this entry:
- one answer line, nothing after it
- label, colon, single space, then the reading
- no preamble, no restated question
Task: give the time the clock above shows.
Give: 2:57
